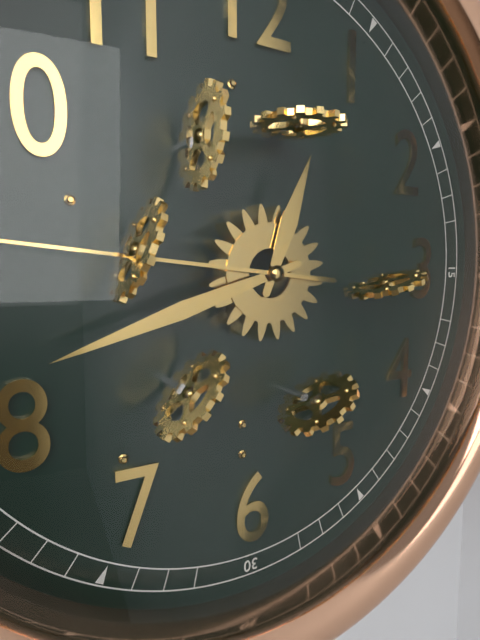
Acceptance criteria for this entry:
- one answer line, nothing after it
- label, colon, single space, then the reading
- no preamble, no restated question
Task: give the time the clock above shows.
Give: 12:42
